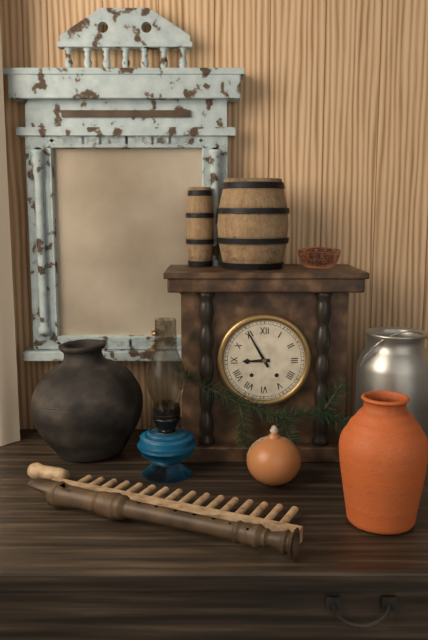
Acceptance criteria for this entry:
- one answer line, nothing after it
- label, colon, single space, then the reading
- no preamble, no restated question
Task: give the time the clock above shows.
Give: 8:55
